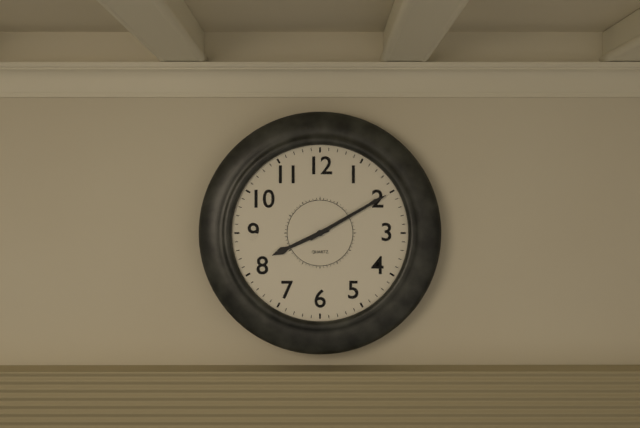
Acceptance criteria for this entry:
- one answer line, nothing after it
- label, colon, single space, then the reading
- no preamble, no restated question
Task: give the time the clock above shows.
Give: 8:10
